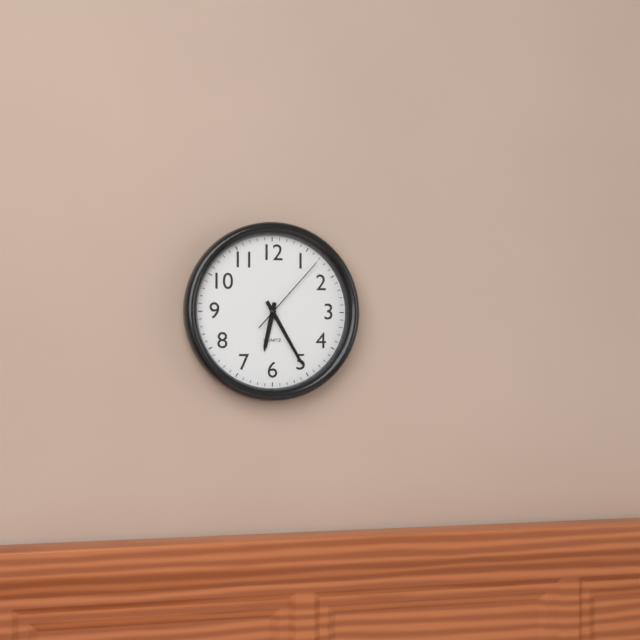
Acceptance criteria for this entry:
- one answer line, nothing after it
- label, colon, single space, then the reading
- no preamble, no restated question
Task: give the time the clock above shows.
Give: 6:25:07
